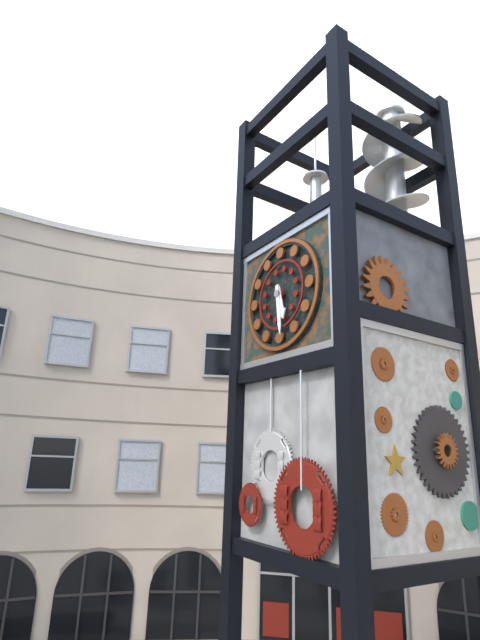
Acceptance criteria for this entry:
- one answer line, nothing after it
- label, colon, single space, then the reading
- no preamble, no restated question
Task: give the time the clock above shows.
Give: 5:29
